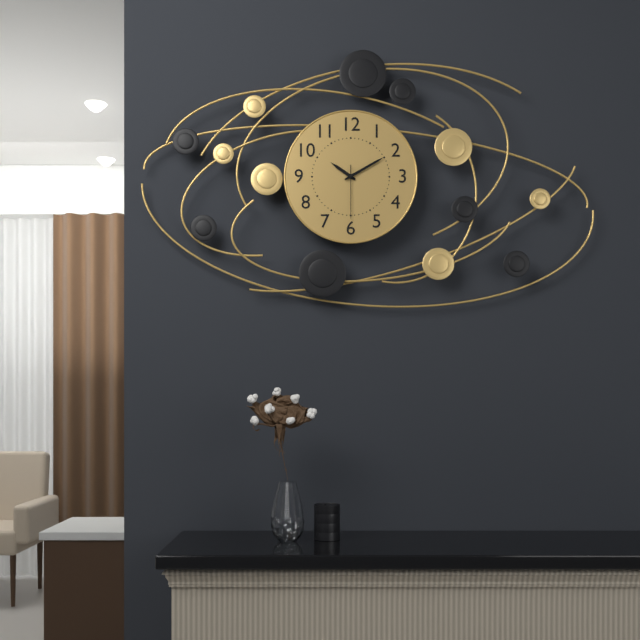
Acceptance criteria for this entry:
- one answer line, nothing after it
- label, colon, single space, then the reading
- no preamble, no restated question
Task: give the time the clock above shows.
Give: 10:10:30
